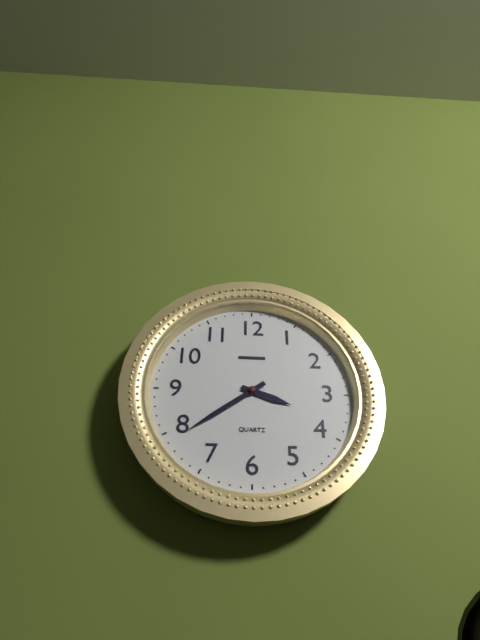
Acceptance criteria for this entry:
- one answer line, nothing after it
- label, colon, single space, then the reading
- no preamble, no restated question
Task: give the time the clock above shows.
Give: 3:39
